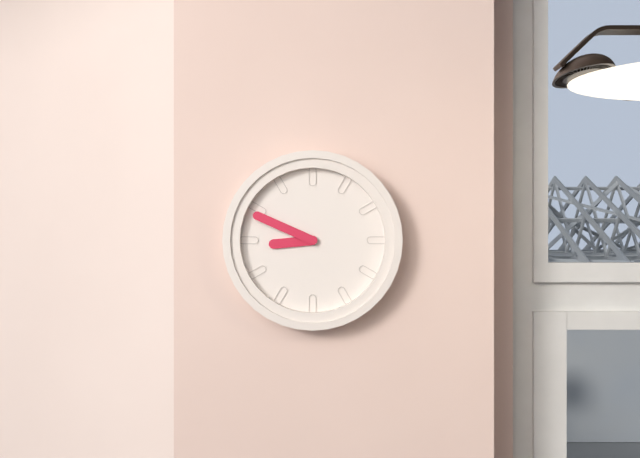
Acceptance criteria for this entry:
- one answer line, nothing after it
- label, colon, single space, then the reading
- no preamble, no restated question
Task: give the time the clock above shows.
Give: 8:49
